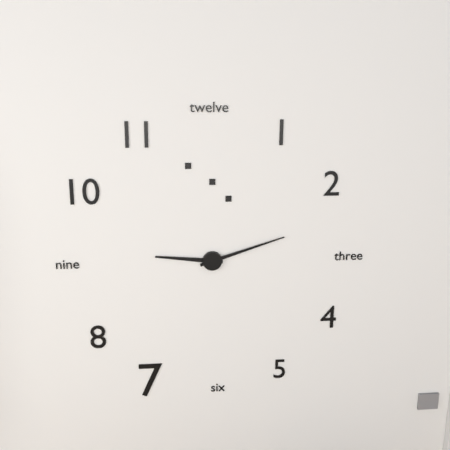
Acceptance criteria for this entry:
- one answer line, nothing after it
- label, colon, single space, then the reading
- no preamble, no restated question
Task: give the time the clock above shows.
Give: 9:12
